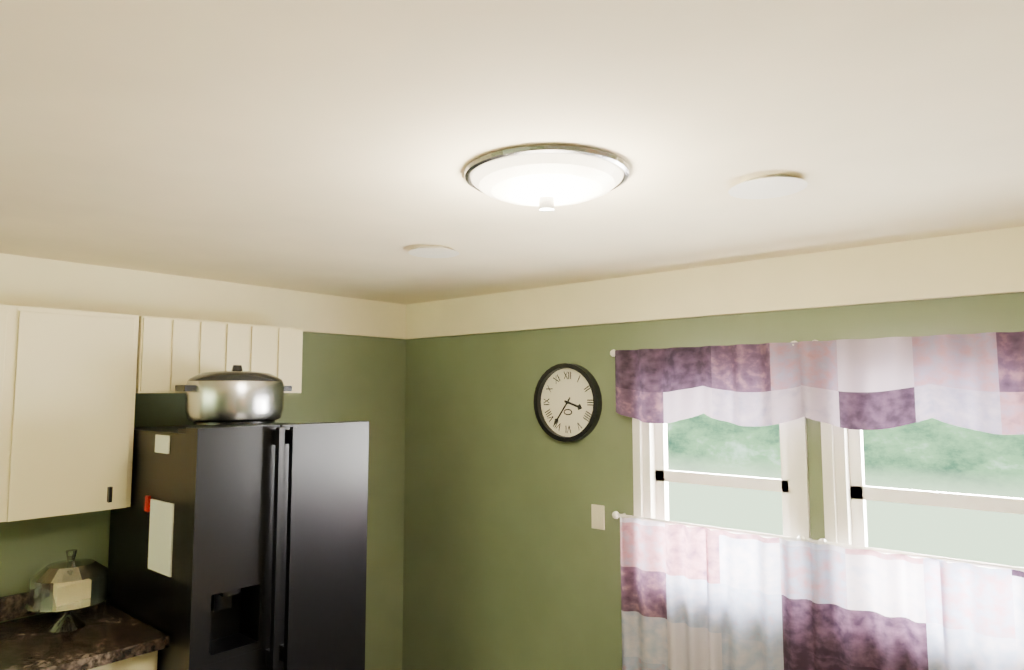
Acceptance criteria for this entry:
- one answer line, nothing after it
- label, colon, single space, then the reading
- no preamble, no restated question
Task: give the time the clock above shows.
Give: 3:36
